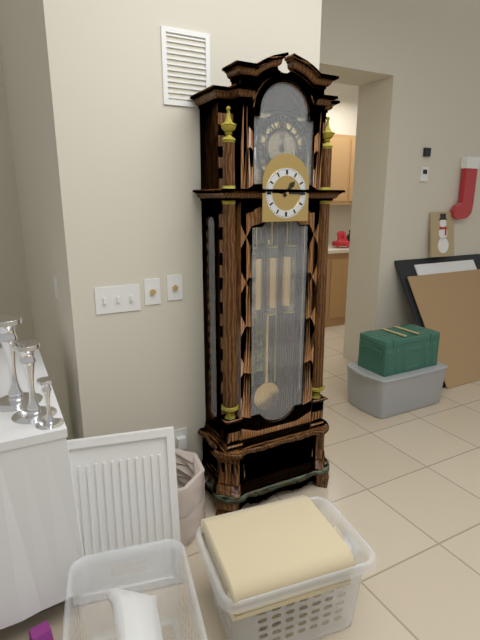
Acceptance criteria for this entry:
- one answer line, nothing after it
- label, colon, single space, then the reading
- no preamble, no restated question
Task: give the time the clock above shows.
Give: 1:15
